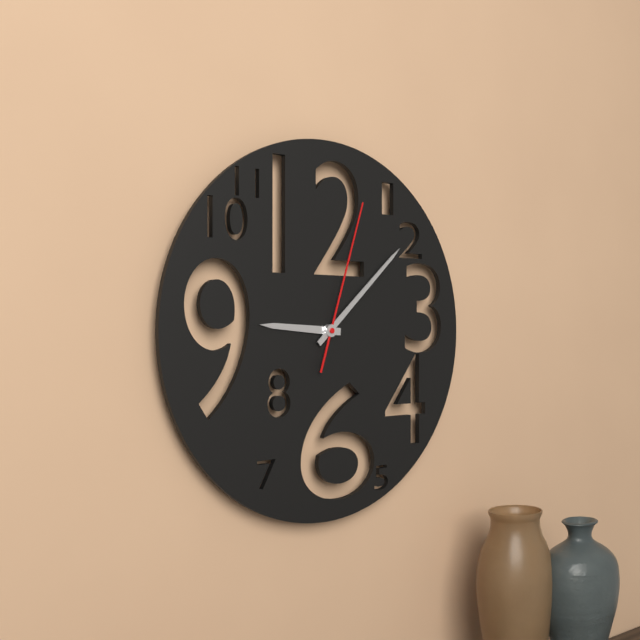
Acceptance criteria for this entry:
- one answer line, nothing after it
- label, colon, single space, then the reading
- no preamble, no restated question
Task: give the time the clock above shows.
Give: 9:08:03
